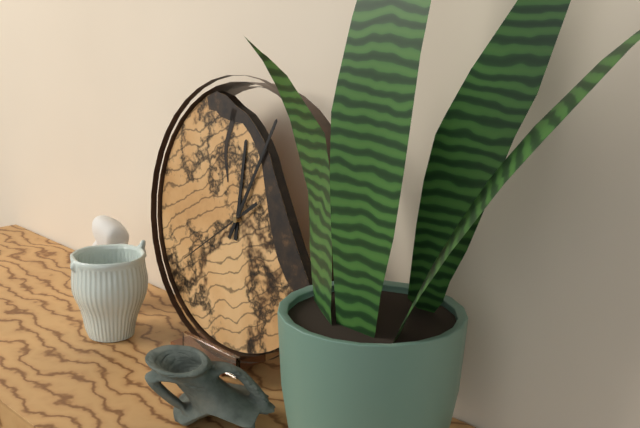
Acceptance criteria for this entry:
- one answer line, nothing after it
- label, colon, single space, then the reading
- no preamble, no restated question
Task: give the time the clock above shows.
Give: 12:04:39
